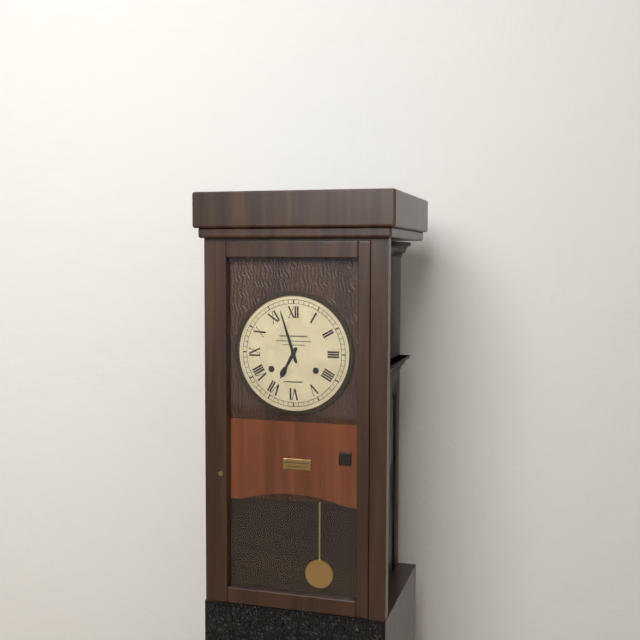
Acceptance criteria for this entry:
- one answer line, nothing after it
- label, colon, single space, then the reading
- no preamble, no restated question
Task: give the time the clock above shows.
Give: 6:57
